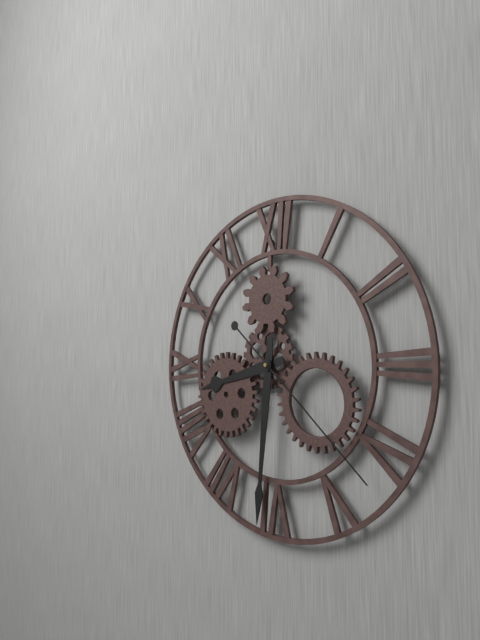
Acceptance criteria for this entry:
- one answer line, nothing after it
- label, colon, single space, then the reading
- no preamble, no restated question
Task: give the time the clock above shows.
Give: 8:31:22
